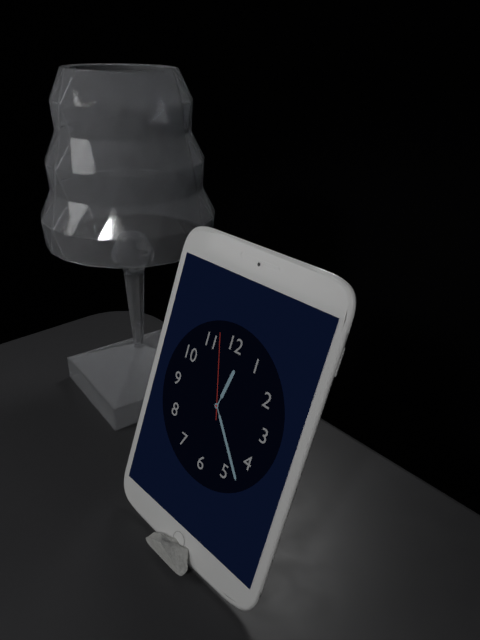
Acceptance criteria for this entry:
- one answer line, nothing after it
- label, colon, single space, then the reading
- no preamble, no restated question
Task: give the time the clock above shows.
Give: 12:23:57
